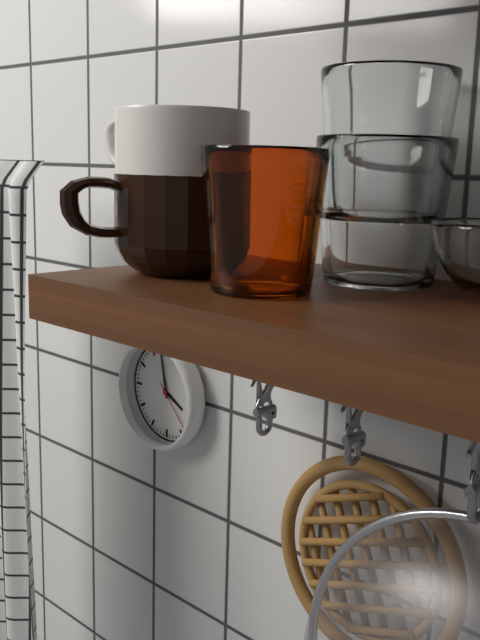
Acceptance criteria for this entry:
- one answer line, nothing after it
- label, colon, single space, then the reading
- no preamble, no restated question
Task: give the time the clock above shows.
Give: 3:58:23
